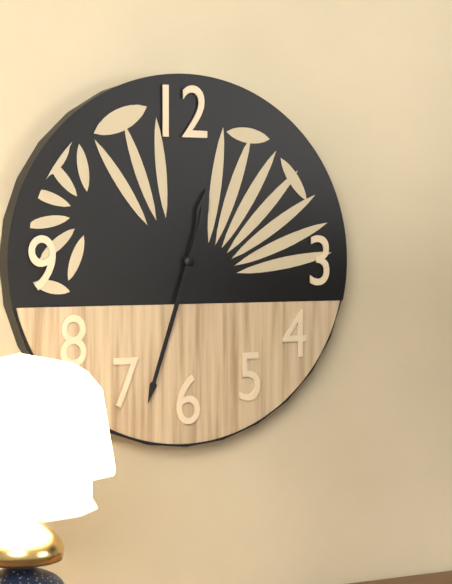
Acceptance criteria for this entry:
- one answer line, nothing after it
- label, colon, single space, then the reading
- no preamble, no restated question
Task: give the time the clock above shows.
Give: 12:33
